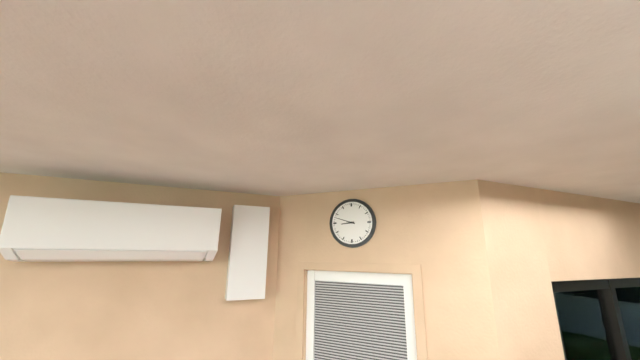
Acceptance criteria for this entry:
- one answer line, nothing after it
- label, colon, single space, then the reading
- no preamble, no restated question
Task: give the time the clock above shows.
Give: 8:48
